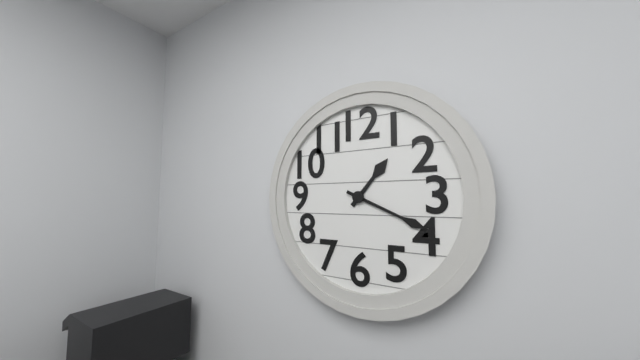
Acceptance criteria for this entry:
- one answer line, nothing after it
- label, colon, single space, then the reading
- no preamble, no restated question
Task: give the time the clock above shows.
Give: 1:19
